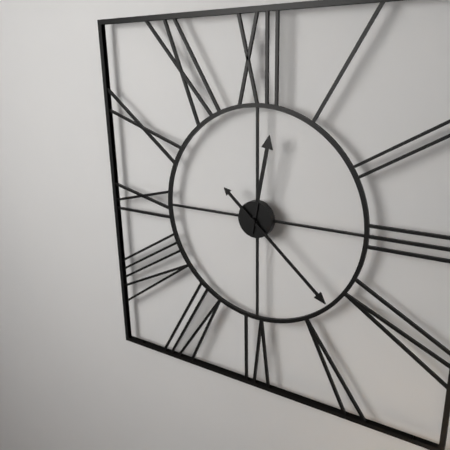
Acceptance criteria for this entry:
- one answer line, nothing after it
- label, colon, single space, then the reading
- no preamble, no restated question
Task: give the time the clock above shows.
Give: 12:22
